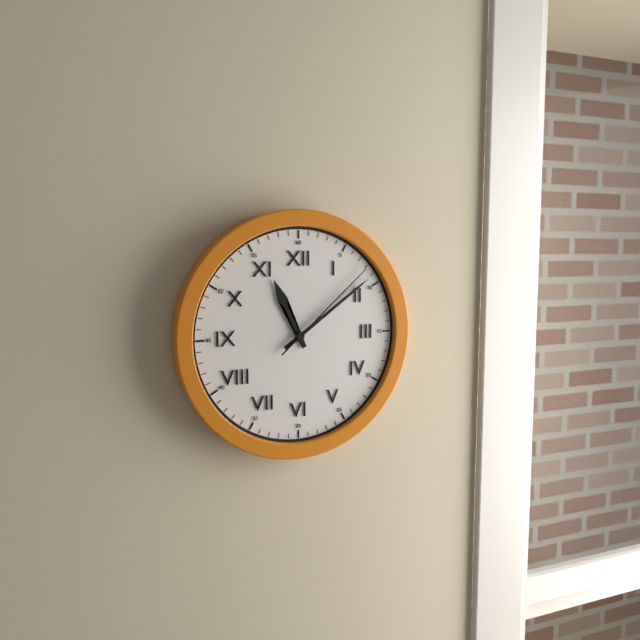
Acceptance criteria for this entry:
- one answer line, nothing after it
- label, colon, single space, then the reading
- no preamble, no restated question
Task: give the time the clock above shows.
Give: 11:09:08
